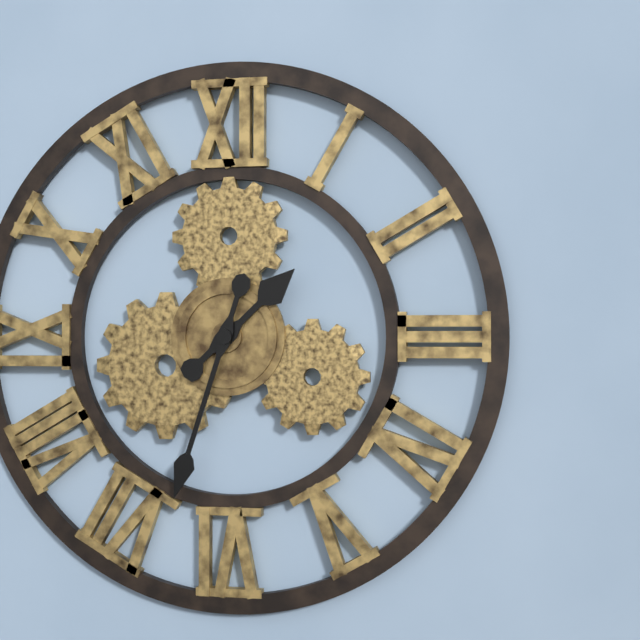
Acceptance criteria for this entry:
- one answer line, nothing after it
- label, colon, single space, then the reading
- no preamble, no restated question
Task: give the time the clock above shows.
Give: 1:33
